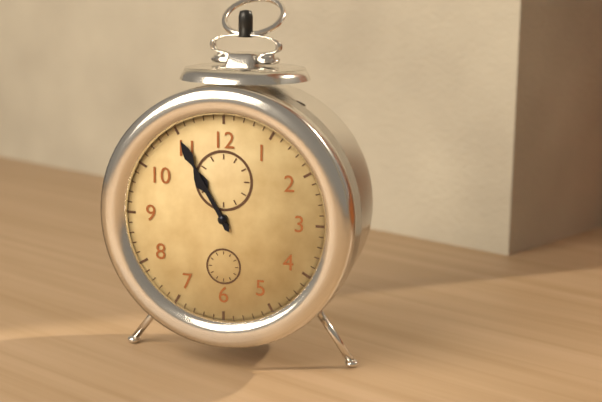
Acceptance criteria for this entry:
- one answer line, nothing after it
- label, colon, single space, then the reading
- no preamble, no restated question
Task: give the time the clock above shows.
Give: 10:55
